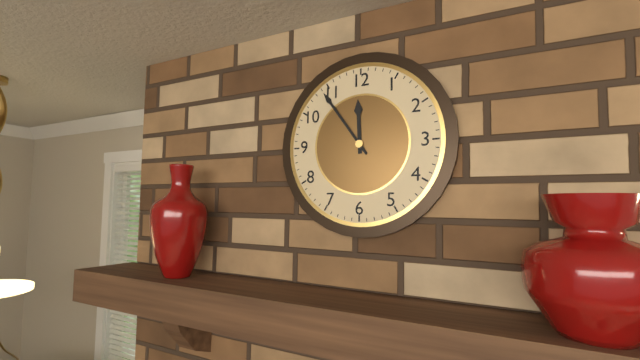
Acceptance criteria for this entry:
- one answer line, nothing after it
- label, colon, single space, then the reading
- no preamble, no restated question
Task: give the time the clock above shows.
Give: 11:54
